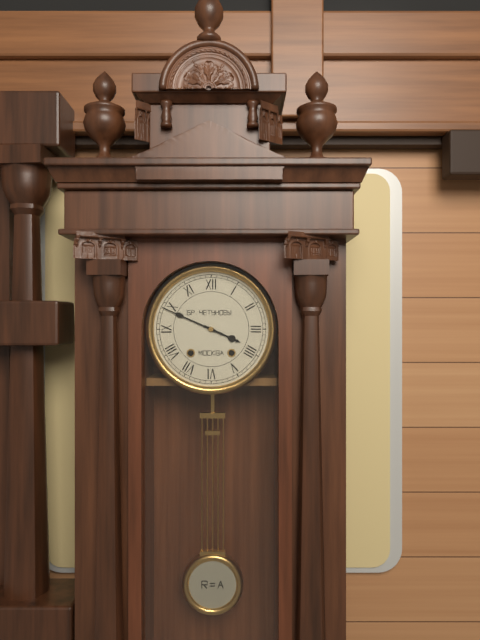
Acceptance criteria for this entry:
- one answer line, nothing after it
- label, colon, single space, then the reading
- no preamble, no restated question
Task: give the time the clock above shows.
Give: 3:49
